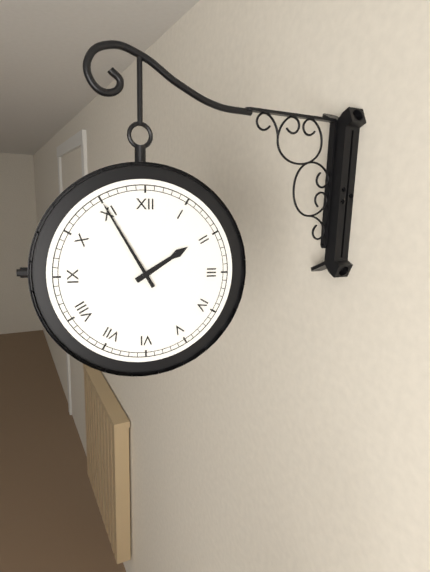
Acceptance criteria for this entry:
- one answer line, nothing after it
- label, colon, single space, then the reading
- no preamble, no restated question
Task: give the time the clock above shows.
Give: 1:55
